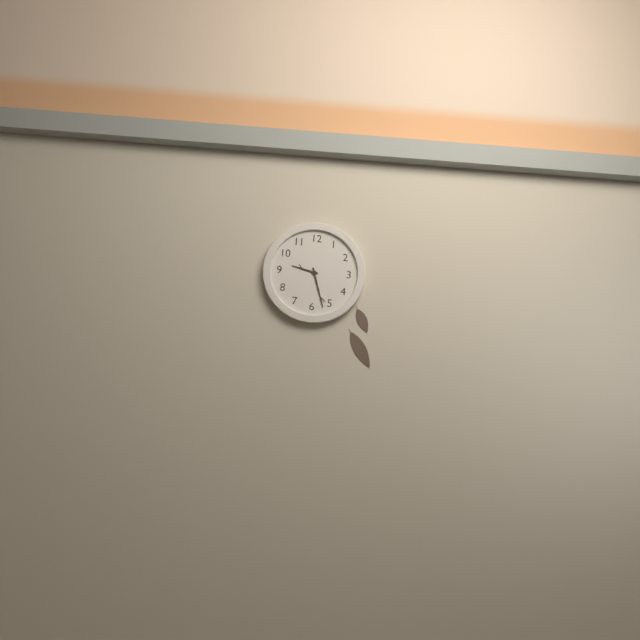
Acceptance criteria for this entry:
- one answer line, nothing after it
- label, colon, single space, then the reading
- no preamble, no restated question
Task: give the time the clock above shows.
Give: 9:27
